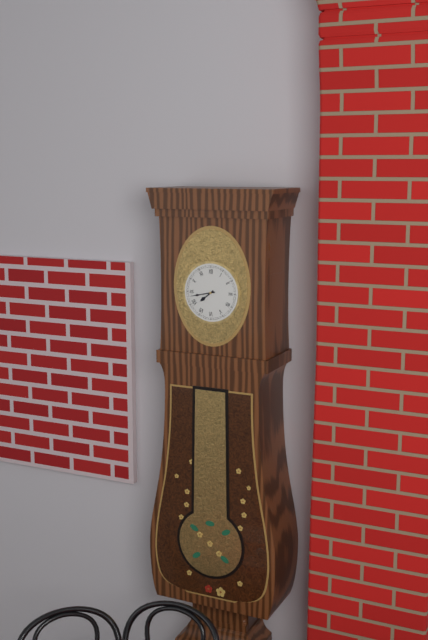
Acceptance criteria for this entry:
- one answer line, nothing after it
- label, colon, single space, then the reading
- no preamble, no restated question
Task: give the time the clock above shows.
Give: 7:43
